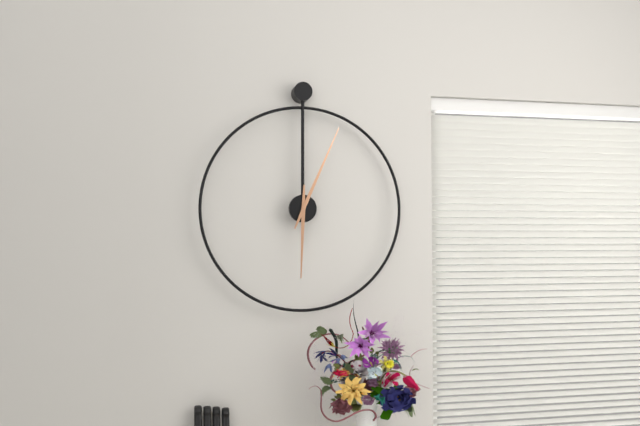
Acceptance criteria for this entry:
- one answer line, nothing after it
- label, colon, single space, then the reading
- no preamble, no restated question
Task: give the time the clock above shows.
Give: 6:04
